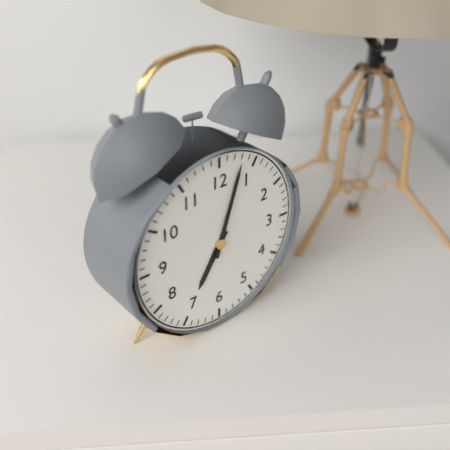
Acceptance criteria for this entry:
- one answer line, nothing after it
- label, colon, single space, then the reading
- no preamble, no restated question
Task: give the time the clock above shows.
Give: 7:03
